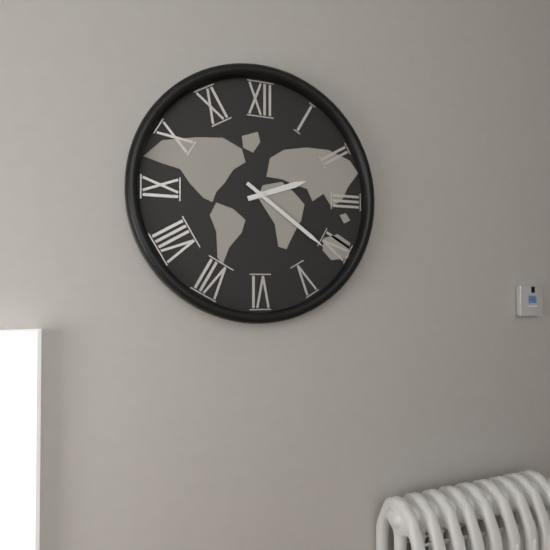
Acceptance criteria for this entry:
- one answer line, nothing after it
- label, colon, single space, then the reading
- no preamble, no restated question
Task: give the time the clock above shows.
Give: 2:21
